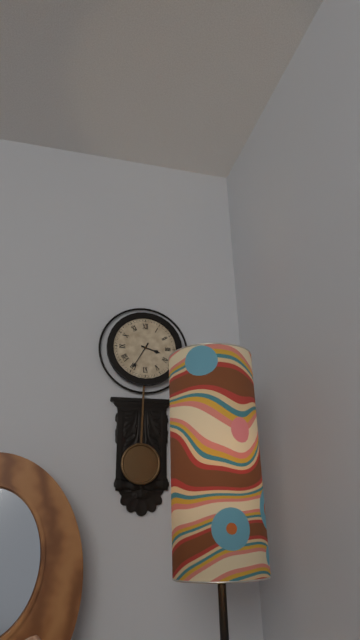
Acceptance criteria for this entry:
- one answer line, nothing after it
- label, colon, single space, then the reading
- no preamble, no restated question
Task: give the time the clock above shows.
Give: 3:35
